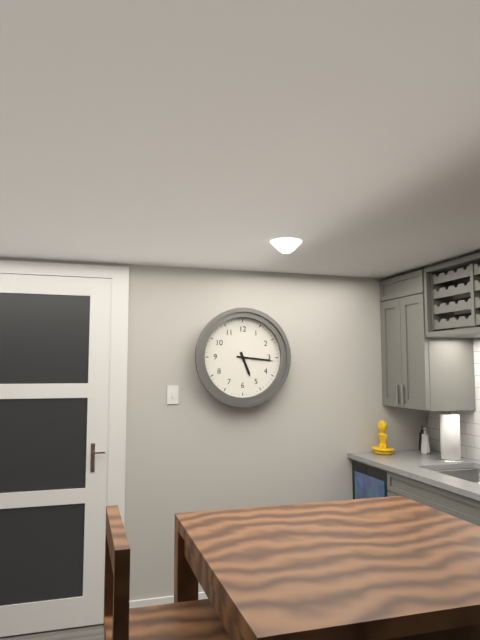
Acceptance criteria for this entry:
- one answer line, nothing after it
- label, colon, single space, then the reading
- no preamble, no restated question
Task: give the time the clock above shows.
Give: 5:16
